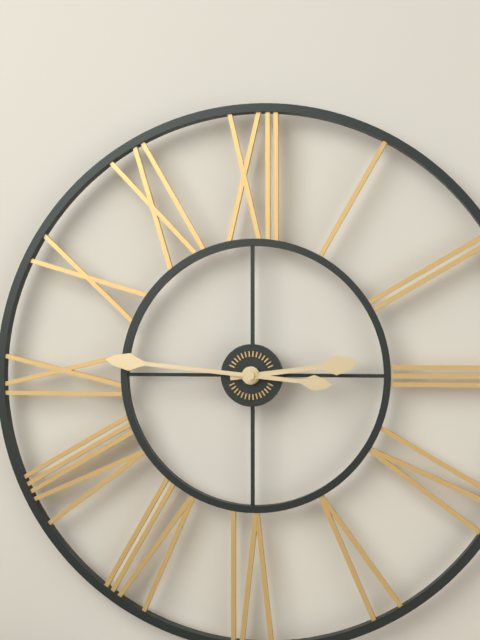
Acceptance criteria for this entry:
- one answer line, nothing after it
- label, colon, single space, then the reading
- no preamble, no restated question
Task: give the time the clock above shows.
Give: 2:46
